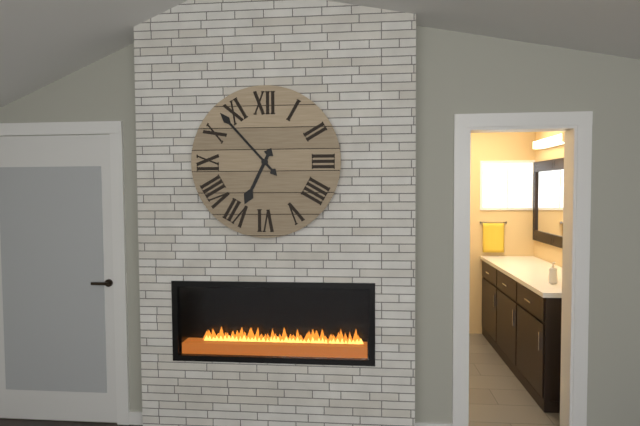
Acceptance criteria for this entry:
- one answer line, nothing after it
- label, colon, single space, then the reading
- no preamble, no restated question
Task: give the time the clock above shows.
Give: 6:53
